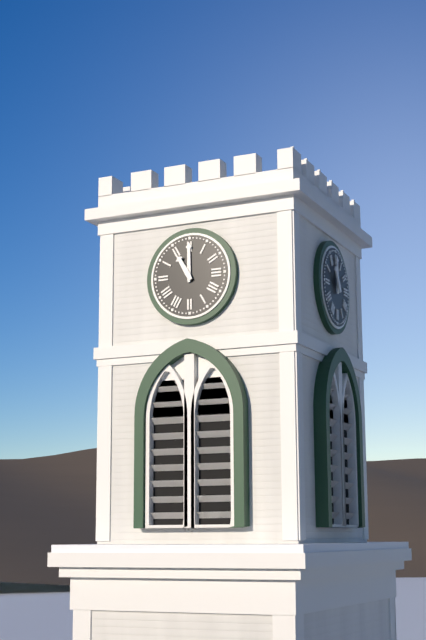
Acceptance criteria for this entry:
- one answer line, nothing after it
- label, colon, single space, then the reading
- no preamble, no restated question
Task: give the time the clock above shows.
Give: 11:00
